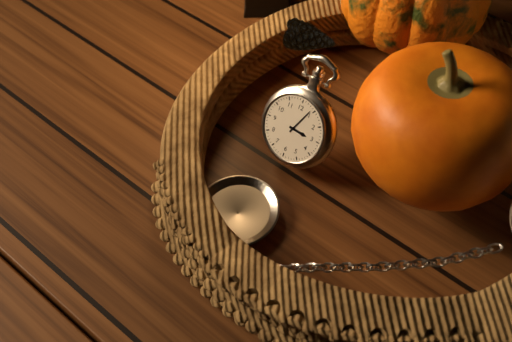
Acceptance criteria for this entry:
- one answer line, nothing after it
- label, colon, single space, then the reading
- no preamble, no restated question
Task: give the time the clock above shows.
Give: 3:04
